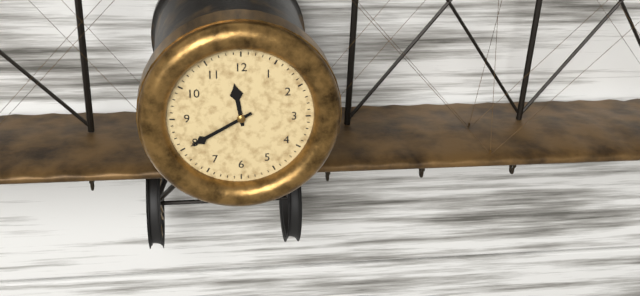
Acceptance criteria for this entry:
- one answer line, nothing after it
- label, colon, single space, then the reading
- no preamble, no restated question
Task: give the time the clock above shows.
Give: 11:40
